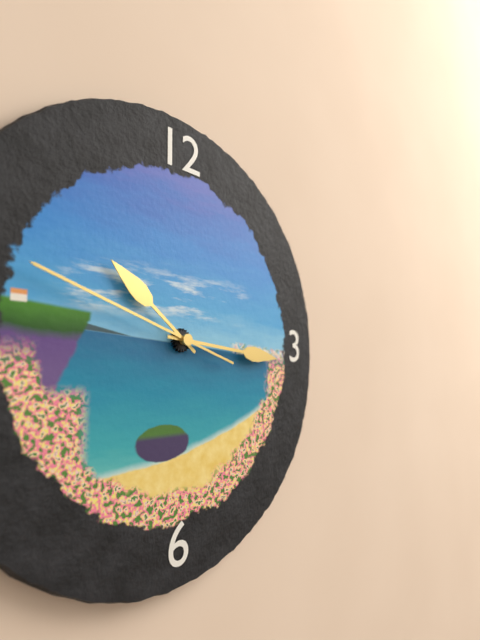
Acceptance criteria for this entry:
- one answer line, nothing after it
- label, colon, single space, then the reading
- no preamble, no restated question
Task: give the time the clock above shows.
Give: 10:16:48
